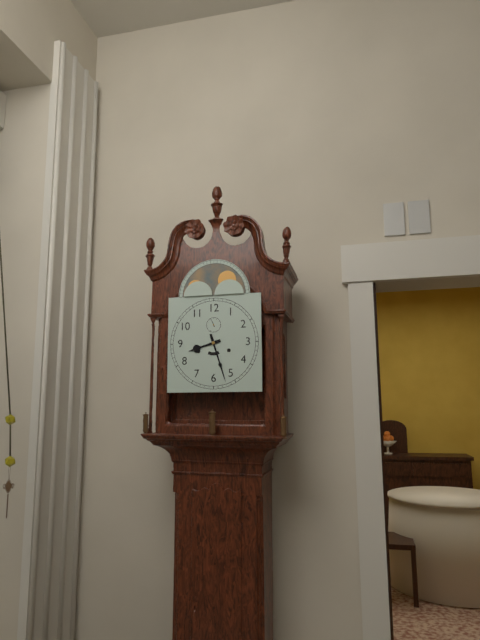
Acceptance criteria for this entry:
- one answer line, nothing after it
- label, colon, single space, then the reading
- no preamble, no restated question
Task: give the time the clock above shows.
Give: 8:27
